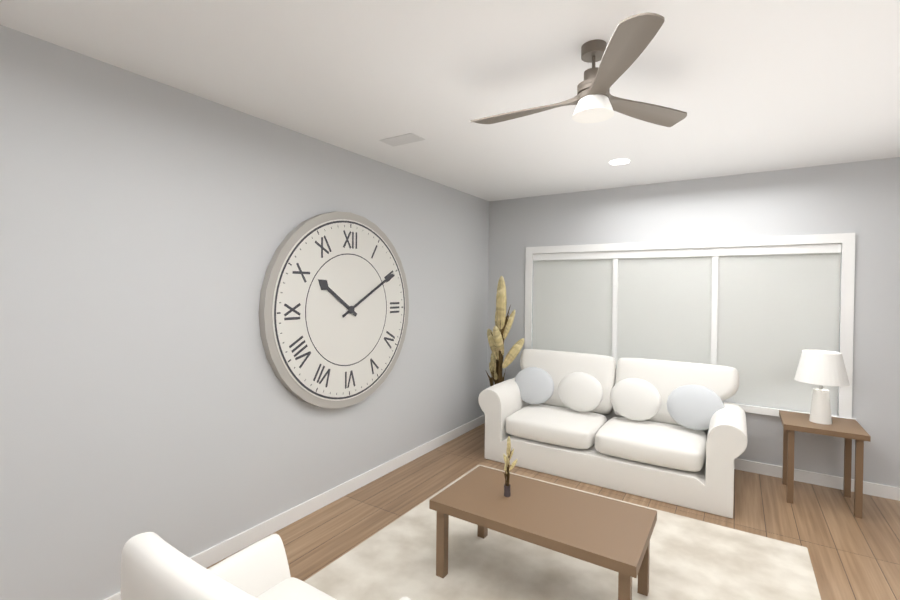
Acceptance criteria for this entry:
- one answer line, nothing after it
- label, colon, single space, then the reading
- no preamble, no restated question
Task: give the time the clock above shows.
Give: 10:10
